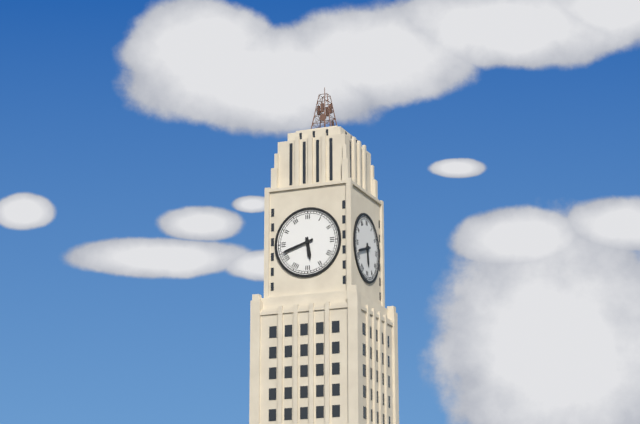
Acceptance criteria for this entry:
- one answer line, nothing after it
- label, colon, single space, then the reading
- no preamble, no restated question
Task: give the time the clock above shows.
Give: 5:42
